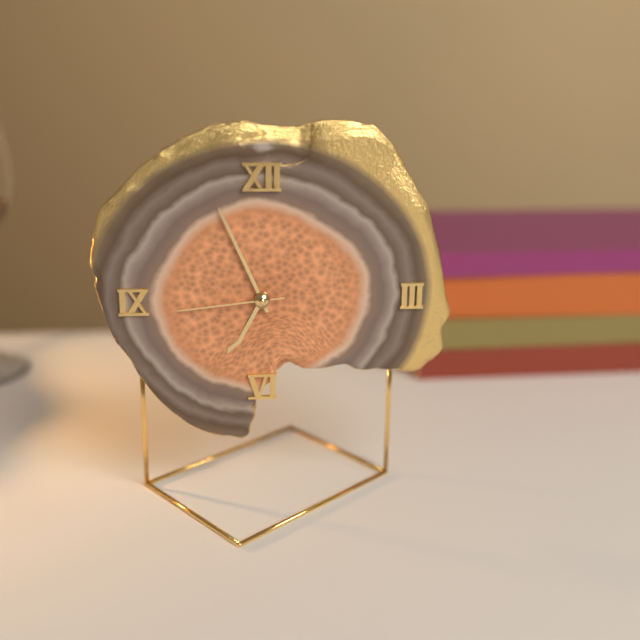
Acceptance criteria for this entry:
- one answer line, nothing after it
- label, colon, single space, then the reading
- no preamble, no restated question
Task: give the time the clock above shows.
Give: 6:56:44
